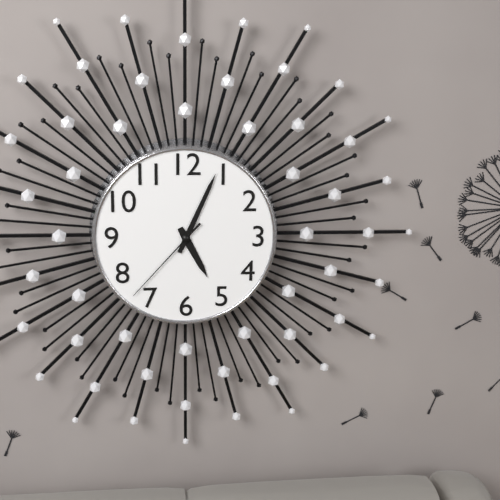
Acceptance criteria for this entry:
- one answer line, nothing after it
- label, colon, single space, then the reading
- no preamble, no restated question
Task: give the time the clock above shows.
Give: 5:04:37
